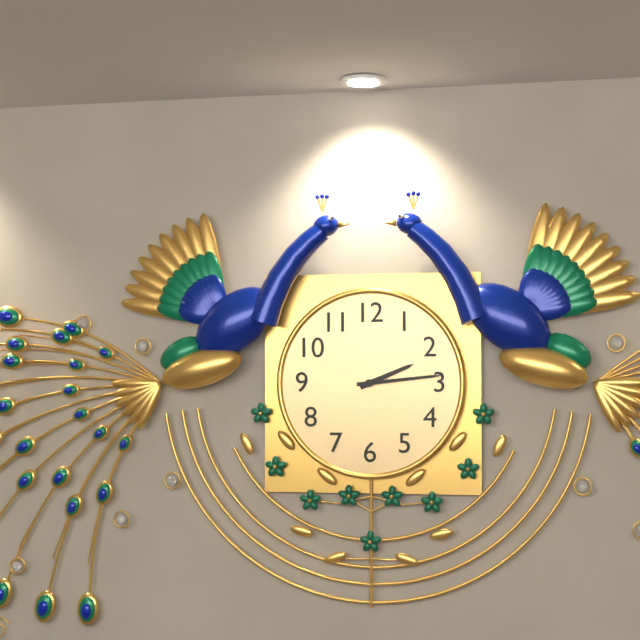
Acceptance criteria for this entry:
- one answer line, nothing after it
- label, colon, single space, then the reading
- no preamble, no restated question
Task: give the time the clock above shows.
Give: 2:14
